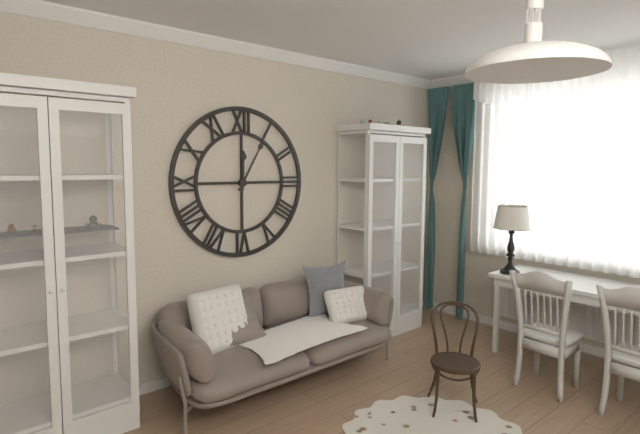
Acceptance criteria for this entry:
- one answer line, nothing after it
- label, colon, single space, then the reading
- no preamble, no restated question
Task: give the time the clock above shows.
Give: 12:05
